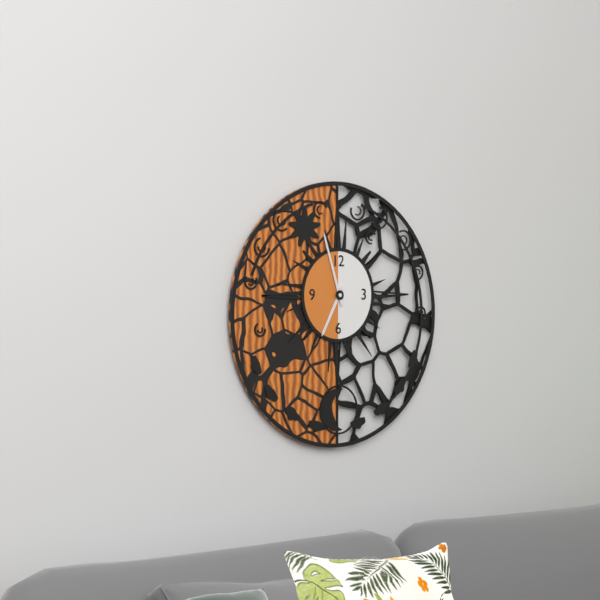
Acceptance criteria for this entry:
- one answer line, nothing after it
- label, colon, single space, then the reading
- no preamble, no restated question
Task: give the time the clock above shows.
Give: 6:57
